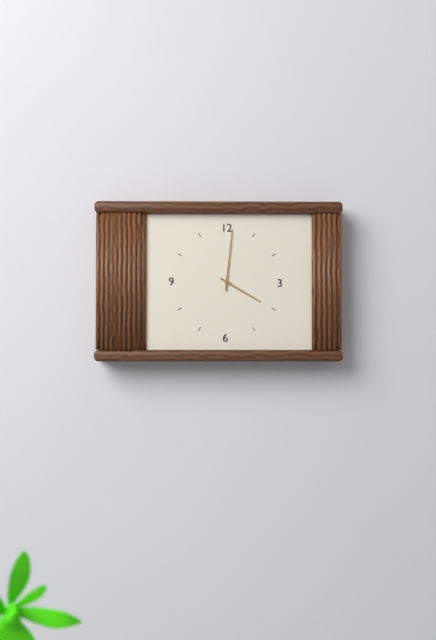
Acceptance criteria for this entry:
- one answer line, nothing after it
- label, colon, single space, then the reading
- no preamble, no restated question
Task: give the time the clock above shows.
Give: 4:01
